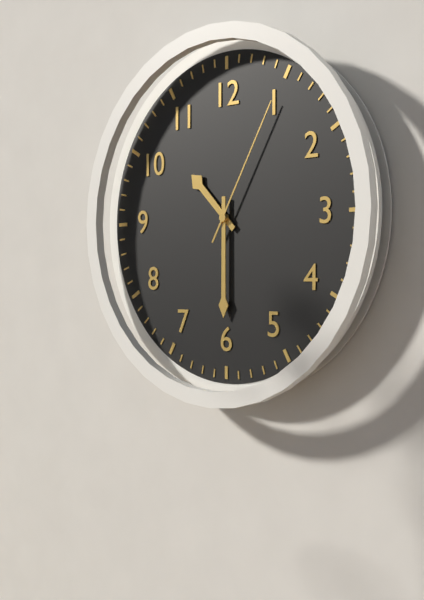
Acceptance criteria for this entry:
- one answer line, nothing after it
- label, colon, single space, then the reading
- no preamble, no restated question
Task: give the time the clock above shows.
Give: 10:30:05
